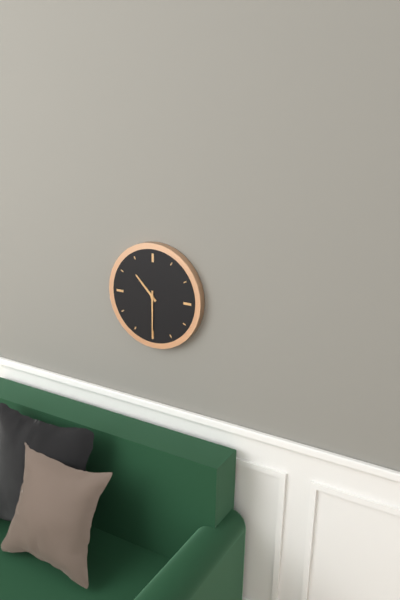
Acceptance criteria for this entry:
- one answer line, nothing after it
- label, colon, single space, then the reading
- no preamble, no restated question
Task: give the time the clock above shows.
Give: 10:30
